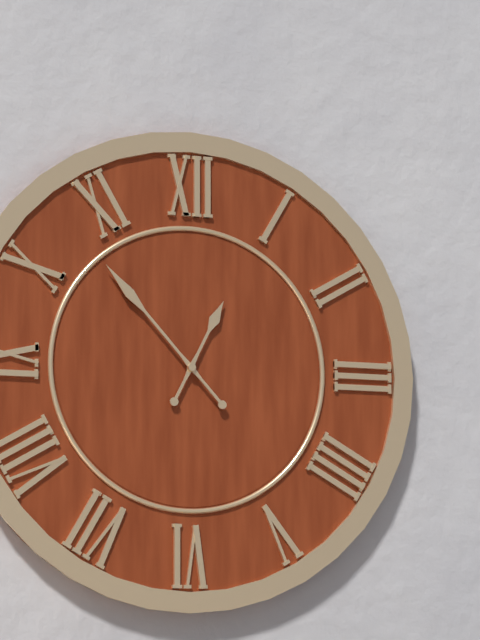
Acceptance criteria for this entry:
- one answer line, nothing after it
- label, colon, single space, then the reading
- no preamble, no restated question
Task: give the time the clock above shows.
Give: 12:53
